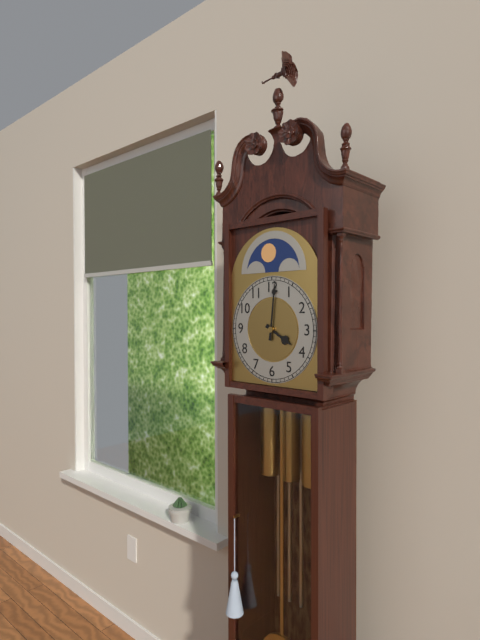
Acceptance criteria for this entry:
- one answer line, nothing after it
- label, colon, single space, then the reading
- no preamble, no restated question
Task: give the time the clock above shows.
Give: 4:01
